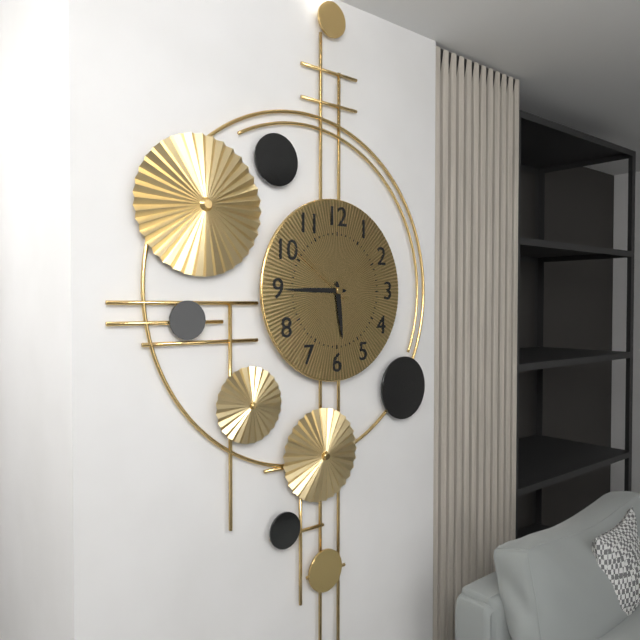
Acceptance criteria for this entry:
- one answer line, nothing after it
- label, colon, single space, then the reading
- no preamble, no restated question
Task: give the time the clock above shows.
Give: 5:45:51
